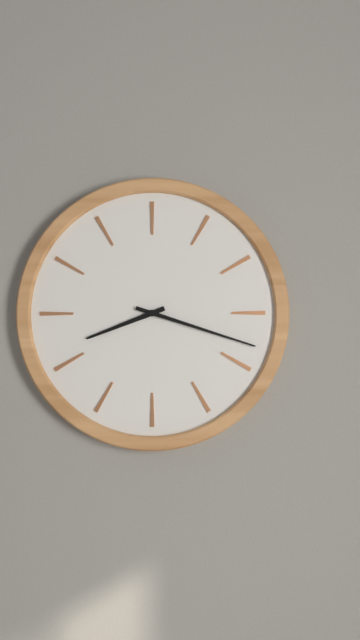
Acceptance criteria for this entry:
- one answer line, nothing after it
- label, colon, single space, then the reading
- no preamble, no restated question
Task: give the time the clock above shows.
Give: 8:18
